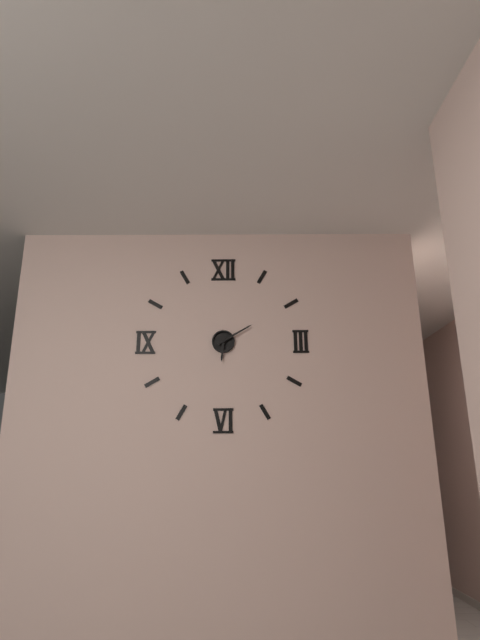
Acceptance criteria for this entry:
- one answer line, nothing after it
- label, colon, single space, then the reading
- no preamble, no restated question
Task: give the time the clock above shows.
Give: 6:10
